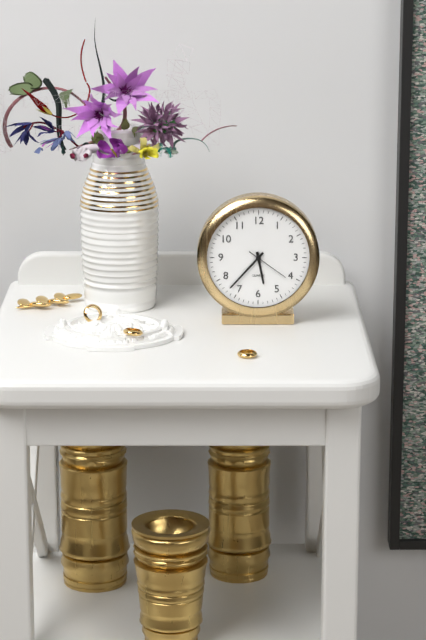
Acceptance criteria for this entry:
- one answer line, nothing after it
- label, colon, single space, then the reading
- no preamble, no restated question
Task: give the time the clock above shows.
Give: 5:37
